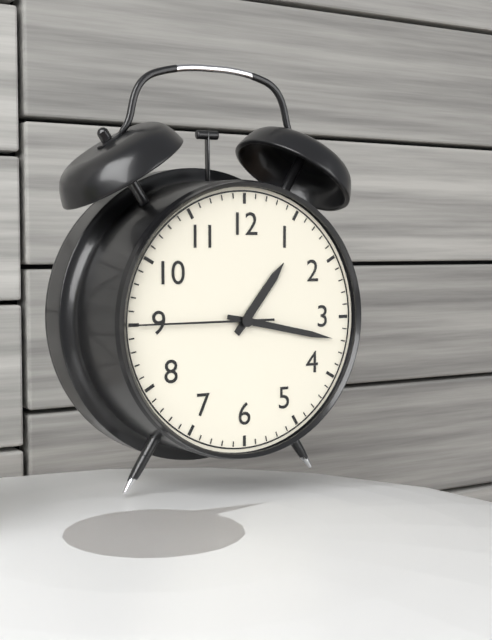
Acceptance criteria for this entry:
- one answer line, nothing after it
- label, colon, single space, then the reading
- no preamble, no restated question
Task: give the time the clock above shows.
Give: 1:17:45
